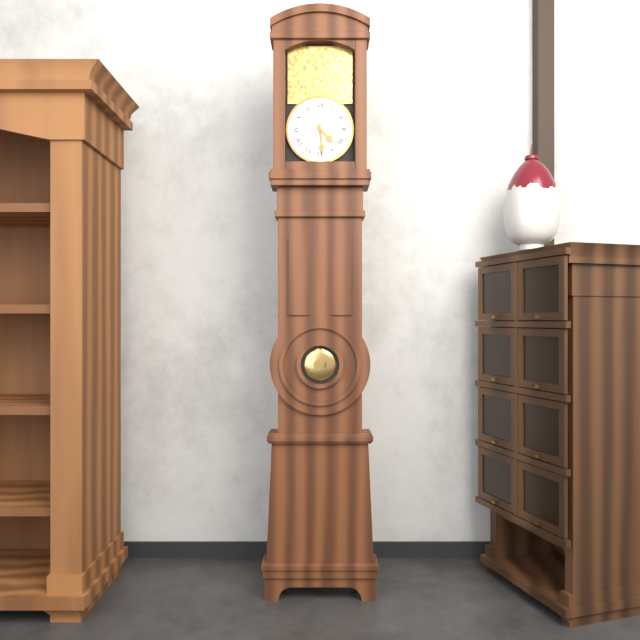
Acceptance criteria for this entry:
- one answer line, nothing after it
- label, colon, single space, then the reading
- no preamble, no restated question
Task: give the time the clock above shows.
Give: 4:29
